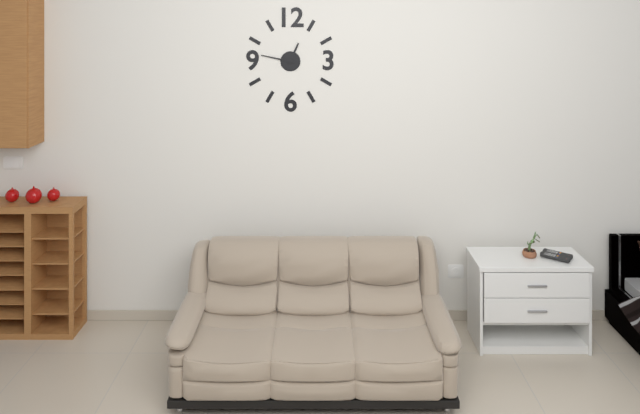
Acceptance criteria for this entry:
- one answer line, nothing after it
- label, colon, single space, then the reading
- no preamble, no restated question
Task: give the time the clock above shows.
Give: 12:47
